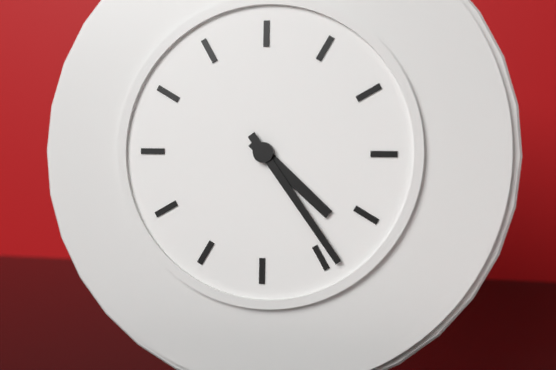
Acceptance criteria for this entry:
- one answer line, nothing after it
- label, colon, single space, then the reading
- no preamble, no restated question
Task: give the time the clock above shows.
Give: 4:24
